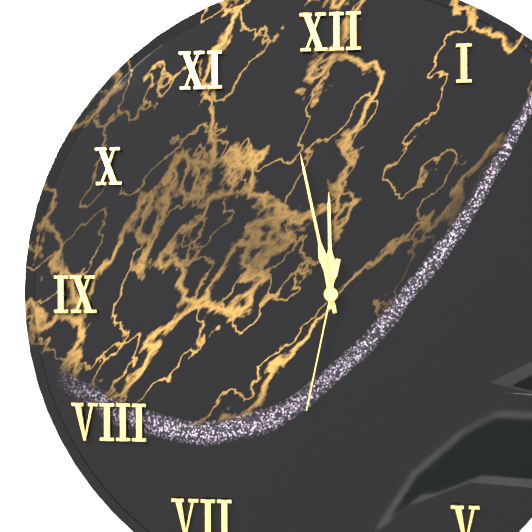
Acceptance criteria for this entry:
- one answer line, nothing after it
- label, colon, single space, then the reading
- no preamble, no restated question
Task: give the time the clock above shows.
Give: 11:58:32
